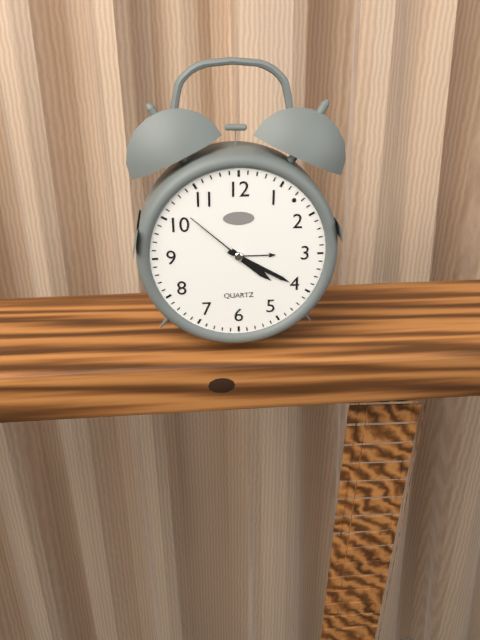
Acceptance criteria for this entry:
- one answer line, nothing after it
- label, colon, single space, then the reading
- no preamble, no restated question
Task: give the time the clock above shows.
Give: 4:20:52
